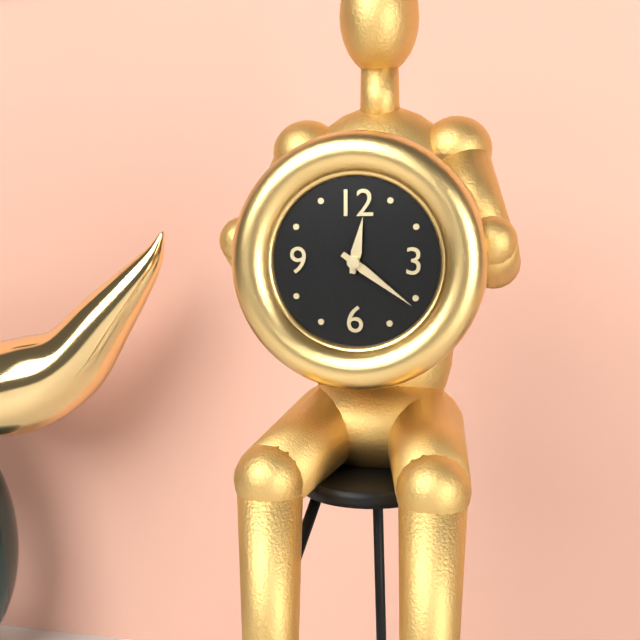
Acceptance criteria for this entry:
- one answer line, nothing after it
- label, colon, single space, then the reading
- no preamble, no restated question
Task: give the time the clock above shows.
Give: 12:21
